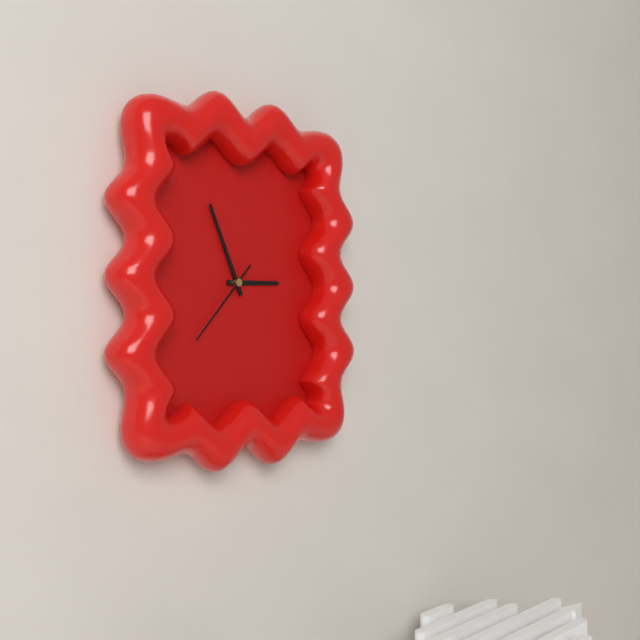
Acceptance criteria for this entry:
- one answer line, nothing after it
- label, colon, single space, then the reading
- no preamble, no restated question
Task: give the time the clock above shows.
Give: 2:56:37
